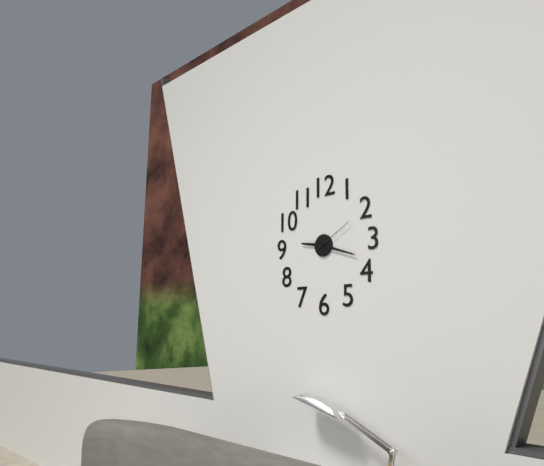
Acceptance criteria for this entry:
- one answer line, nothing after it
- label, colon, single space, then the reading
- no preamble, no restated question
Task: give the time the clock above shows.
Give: 9:18
